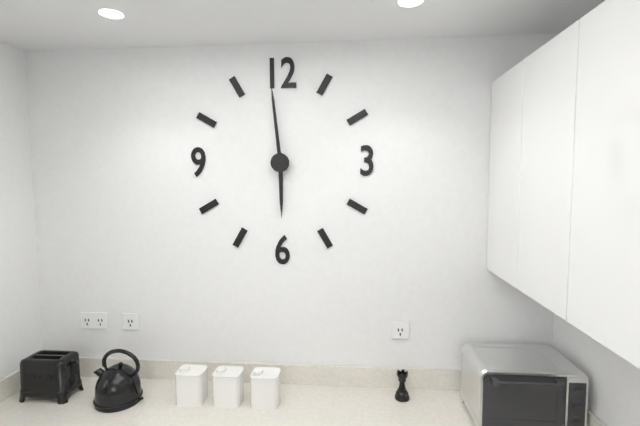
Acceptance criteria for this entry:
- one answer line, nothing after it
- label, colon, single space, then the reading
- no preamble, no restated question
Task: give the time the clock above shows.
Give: 5:59
